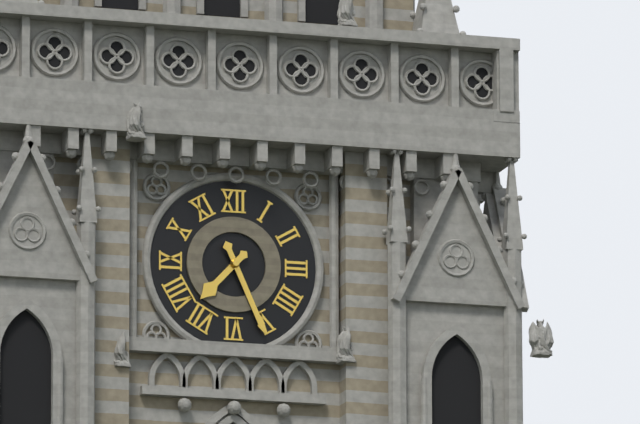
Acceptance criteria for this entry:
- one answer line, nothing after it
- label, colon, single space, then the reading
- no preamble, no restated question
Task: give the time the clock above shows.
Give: 7:26
